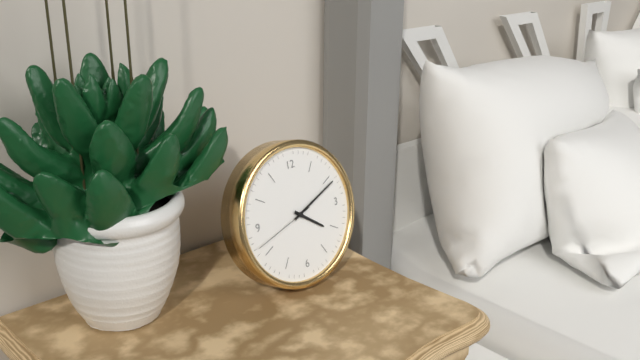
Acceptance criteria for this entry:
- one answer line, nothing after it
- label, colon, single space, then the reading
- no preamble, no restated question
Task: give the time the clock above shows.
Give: 4:11:42
